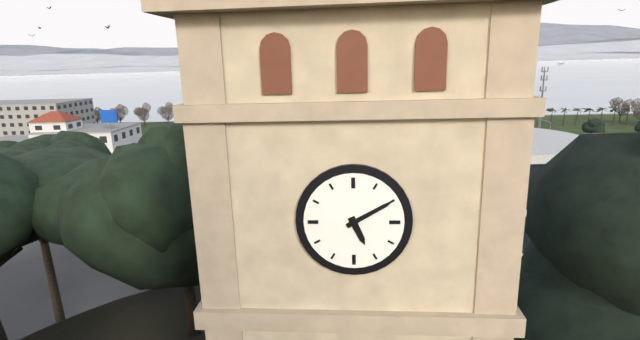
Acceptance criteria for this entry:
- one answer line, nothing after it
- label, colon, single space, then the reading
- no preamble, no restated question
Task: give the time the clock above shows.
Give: 5:10
